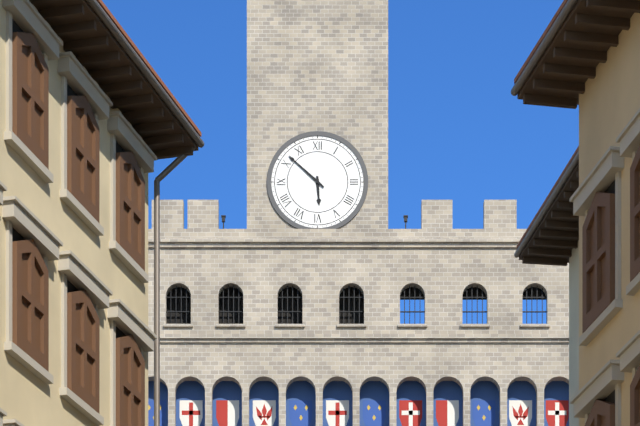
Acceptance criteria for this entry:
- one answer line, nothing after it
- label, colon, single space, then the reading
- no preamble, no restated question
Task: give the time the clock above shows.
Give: 5:52
